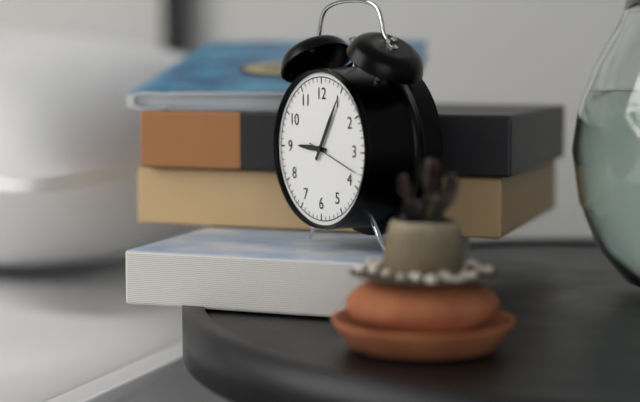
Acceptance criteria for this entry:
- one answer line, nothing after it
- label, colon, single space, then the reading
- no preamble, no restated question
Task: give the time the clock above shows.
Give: 9:05:18
